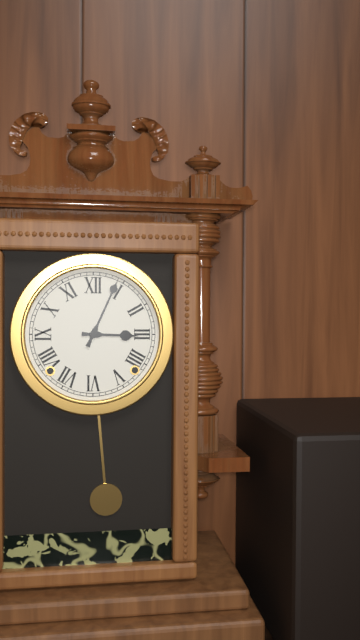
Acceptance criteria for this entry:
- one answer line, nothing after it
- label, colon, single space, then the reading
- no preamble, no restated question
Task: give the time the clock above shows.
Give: 3:04
